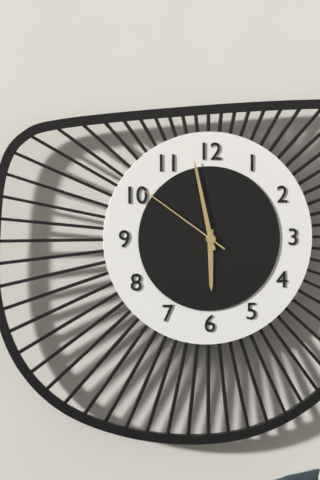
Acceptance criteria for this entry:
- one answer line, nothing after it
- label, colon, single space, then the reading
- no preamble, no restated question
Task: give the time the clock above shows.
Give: 5:58:51
